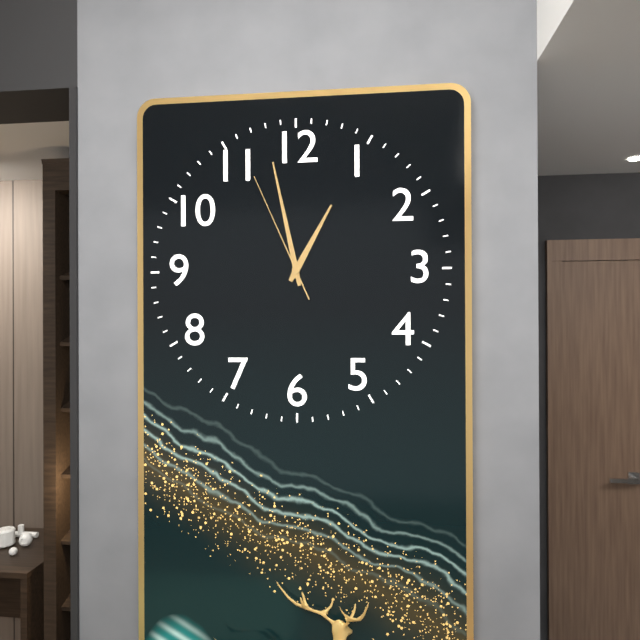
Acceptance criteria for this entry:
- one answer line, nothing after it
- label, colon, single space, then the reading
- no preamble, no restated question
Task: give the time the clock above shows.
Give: 12:58:56
